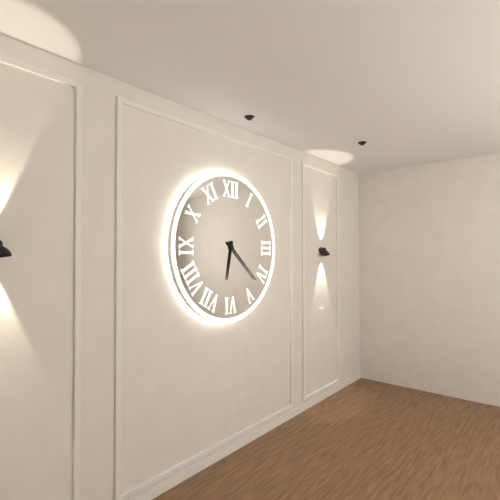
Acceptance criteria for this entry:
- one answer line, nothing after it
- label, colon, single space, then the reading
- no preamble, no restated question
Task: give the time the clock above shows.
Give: 6:22
